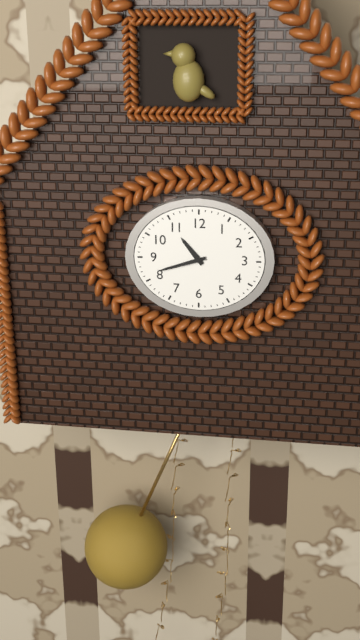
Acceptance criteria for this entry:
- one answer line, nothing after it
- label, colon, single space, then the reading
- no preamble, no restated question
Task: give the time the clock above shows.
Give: 10:42
